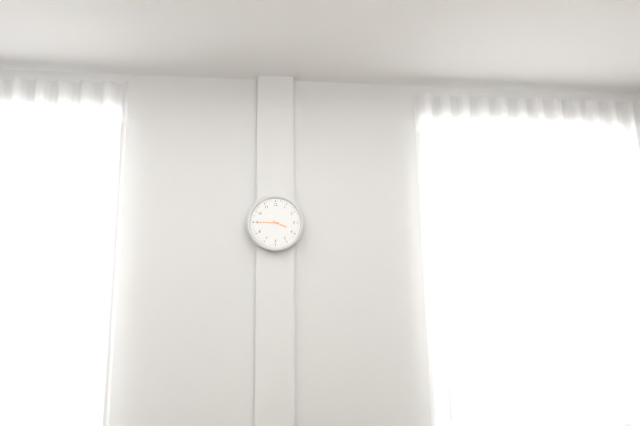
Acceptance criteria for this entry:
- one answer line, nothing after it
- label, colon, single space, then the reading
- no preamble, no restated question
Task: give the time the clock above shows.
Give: 3:45
